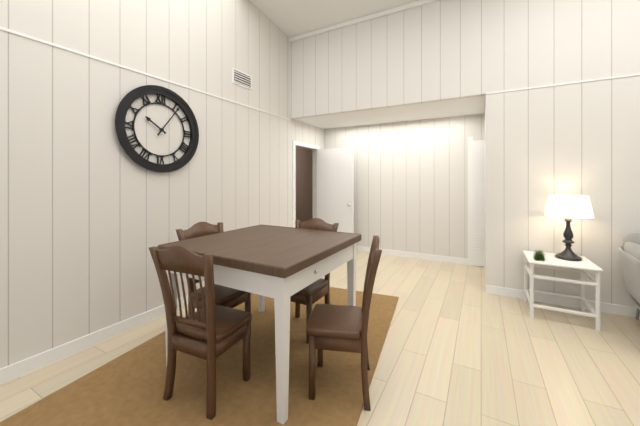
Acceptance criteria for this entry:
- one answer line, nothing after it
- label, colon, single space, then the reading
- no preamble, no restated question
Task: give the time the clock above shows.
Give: 10:06
